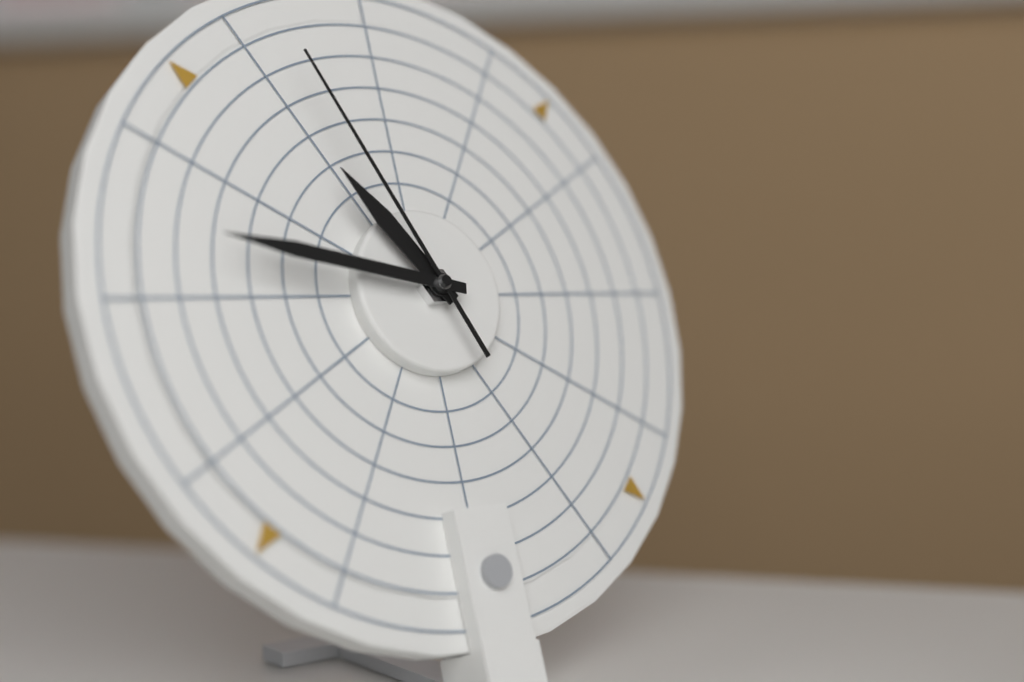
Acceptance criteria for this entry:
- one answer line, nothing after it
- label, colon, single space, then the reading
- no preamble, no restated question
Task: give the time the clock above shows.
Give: 10:47:56
